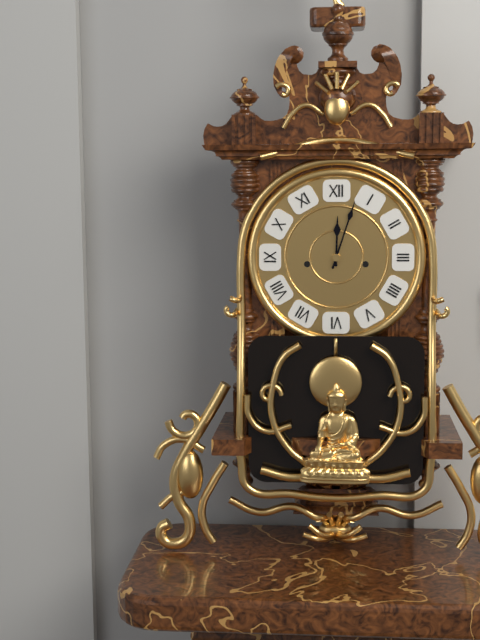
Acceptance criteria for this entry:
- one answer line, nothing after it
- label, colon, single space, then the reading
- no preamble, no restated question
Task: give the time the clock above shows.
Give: 12:03
